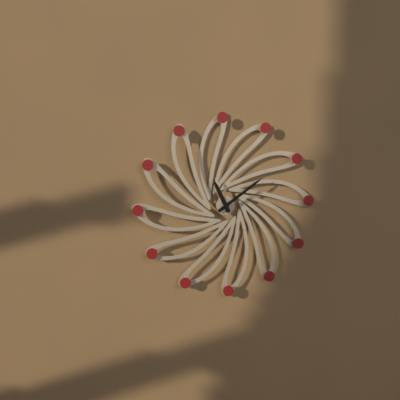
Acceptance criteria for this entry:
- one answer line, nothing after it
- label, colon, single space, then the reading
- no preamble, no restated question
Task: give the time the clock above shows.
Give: 11:09
